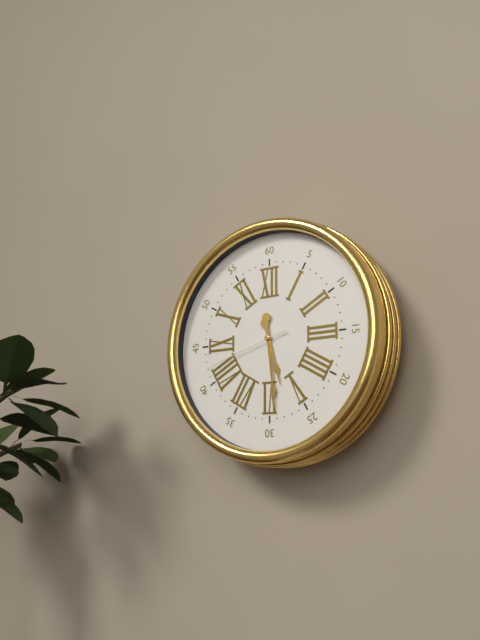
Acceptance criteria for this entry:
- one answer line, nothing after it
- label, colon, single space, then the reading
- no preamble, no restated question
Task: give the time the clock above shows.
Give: 5:29:42
